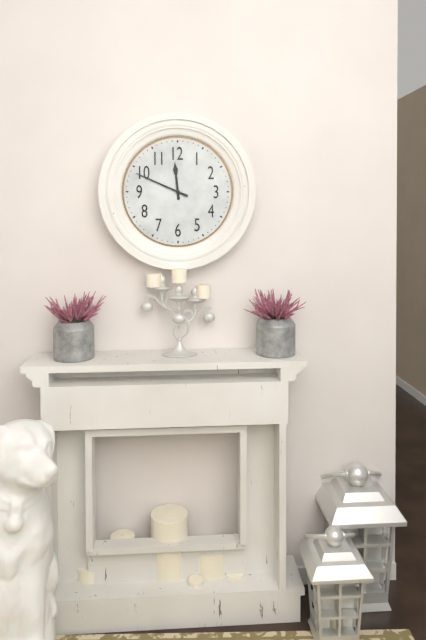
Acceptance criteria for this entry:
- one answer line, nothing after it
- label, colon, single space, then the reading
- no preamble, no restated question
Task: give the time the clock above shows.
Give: 11:49
